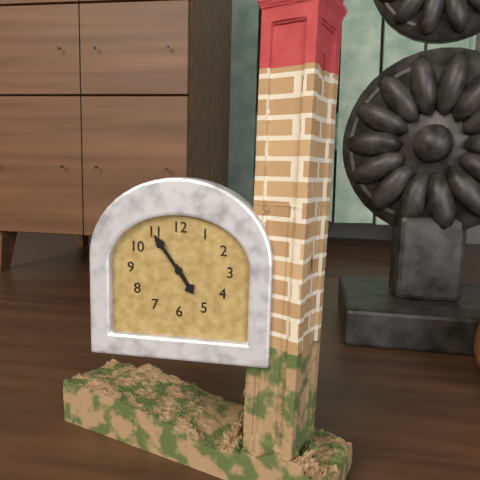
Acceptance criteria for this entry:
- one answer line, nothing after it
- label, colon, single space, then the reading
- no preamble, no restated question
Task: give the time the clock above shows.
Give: 4:54
